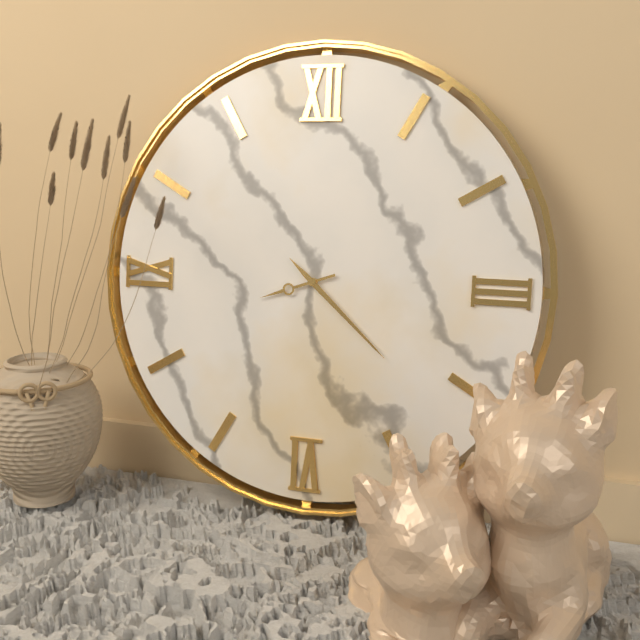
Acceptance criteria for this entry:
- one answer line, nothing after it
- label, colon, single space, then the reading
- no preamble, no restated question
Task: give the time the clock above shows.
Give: 8:22
